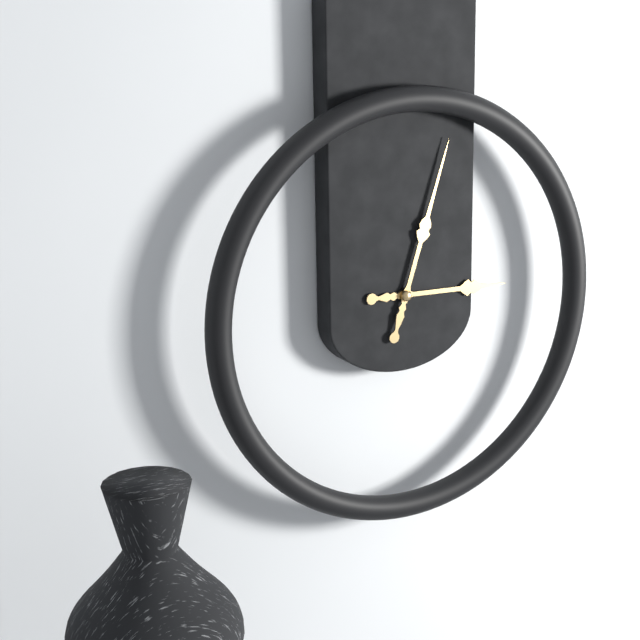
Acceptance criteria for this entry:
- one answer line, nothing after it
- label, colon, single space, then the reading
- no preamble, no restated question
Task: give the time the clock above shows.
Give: 3:03
